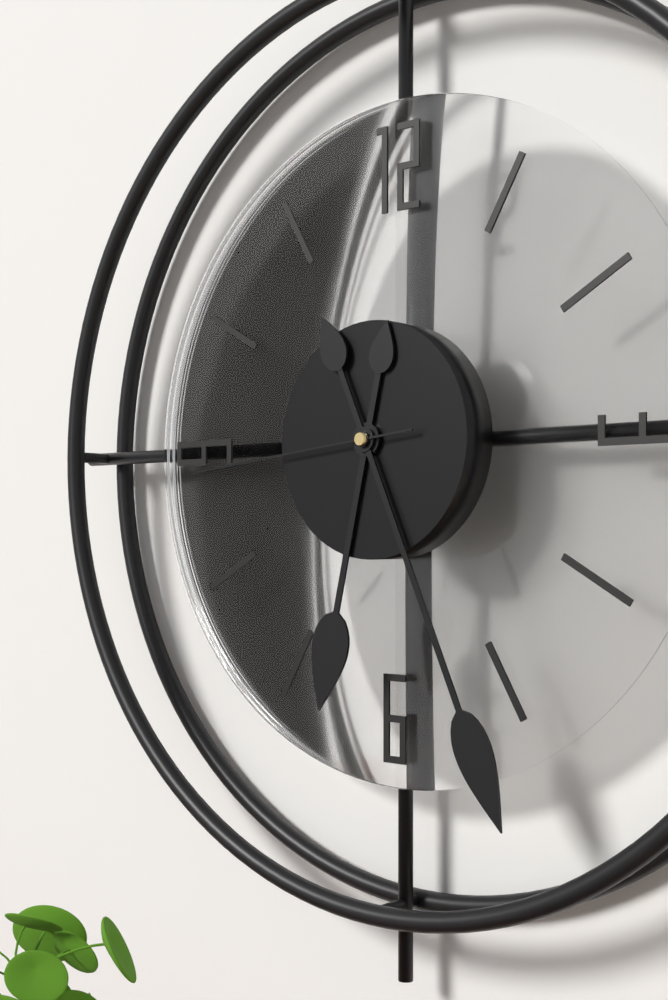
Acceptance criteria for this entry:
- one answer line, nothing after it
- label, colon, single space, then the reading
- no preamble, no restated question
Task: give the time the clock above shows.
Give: 6:26:44
